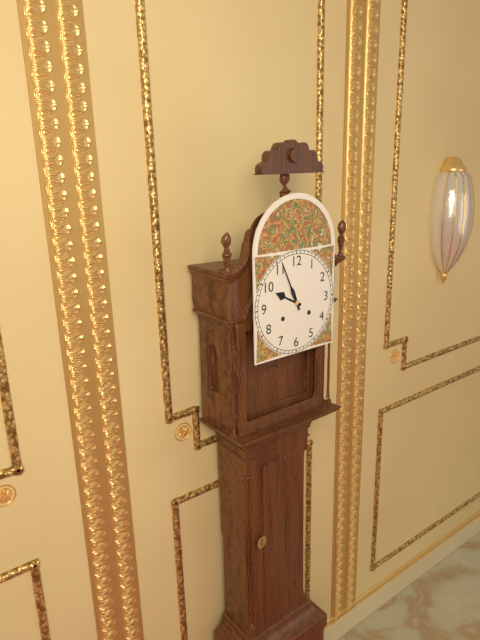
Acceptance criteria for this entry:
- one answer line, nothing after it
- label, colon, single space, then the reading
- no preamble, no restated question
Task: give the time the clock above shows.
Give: 9:56
